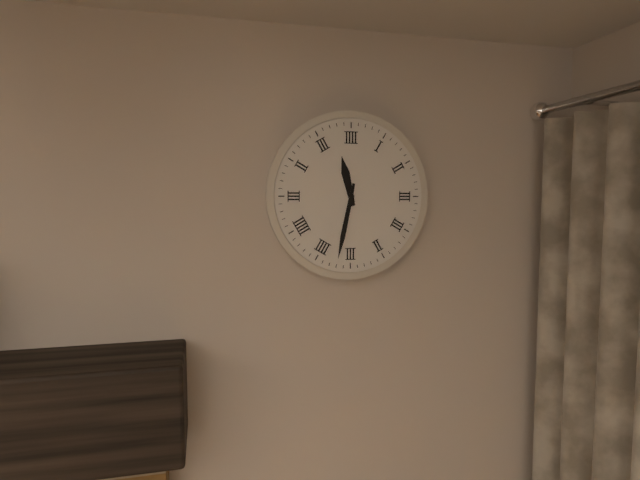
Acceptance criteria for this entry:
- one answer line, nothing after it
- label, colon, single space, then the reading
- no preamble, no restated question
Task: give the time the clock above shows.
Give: 11:32
